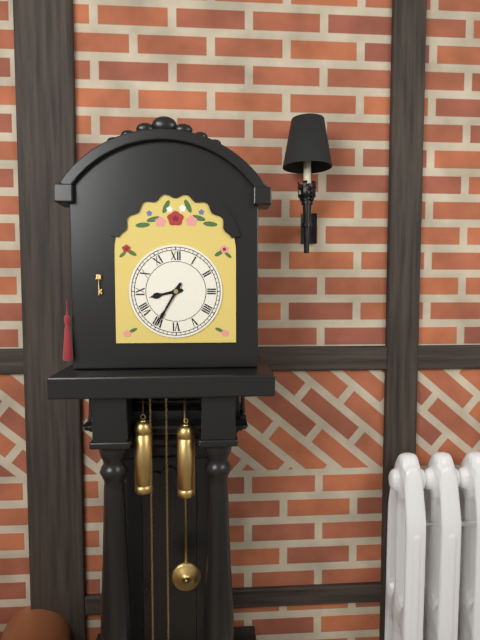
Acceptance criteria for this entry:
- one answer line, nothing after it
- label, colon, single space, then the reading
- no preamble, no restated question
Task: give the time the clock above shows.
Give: 8:35
